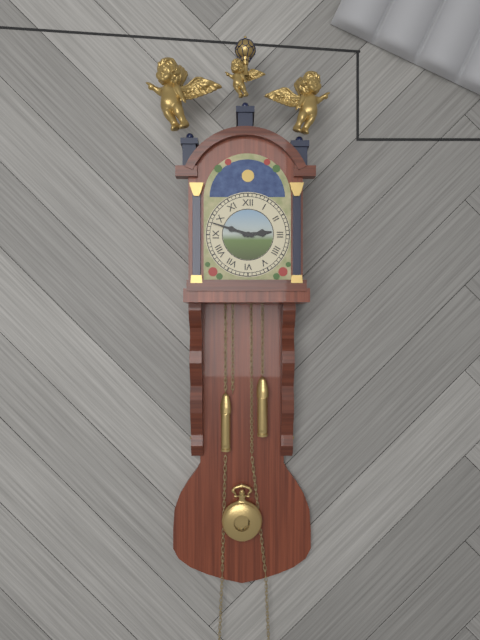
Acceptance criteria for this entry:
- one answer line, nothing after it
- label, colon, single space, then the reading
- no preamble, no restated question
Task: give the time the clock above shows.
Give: 2:48
